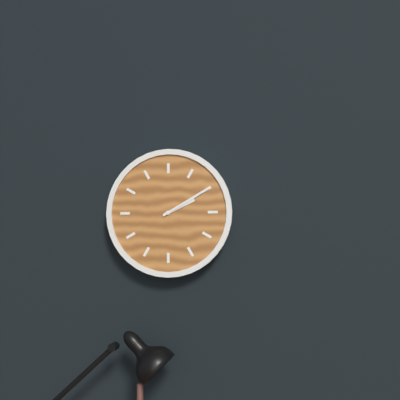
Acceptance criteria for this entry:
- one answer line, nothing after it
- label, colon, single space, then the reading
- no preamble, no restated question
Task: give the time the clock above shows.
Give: 2:10
